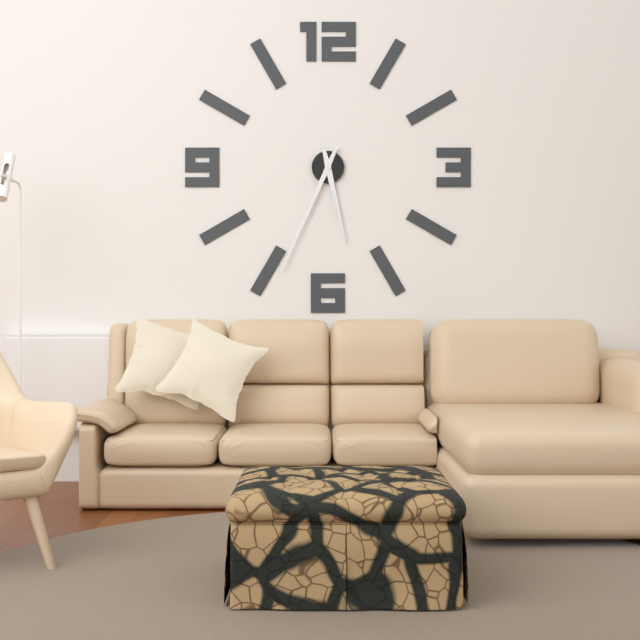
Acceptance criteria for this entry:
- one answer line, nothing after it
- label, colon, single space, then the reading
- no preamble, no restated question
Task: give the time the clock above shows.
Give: 5:34
